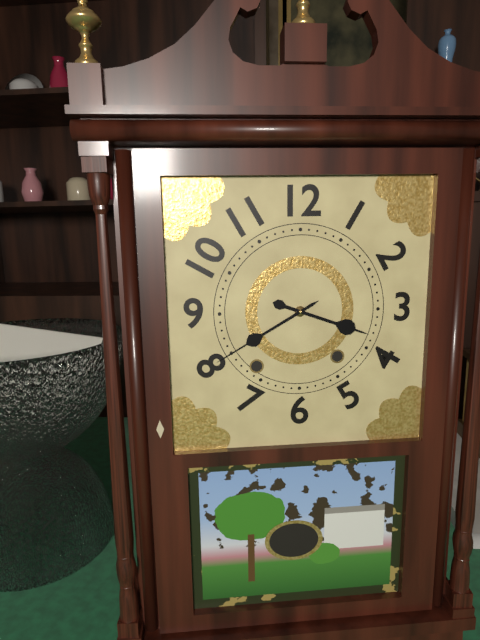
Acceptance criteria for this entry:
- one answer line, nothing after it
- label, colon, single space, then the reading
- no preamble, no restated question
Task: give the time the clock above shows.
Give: 3:40
